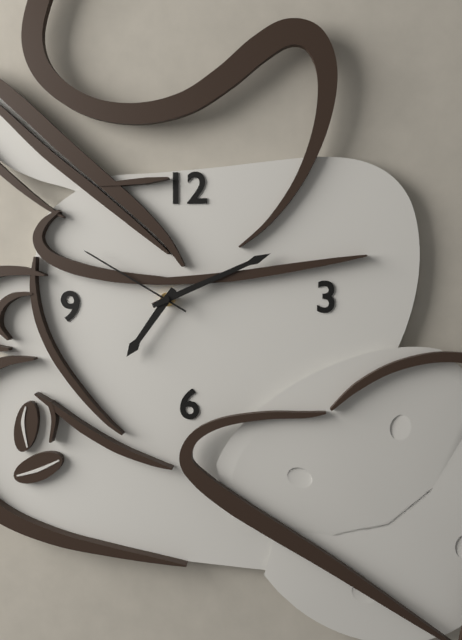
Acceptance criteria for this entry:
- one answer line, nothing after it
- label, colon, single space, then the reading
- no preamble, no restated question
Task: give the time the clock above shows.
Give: 7:11:50
